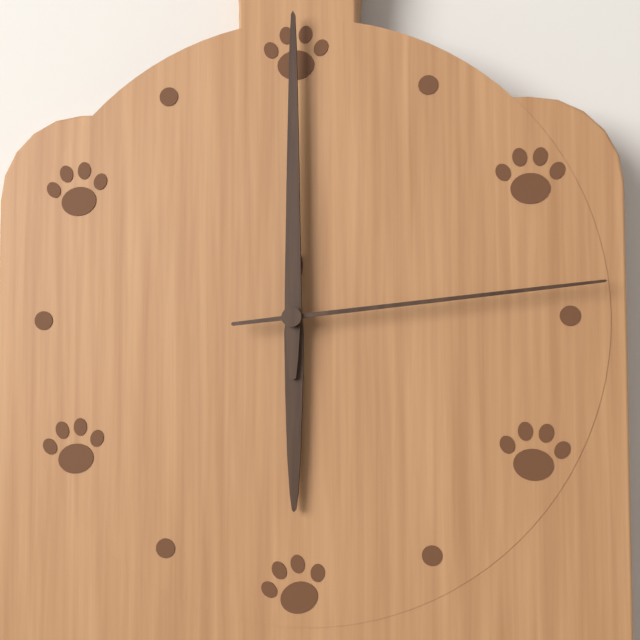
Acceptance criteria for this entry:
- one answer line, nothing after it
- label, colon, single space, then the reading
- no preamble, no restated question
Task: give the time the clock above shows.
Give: 6:00:14
